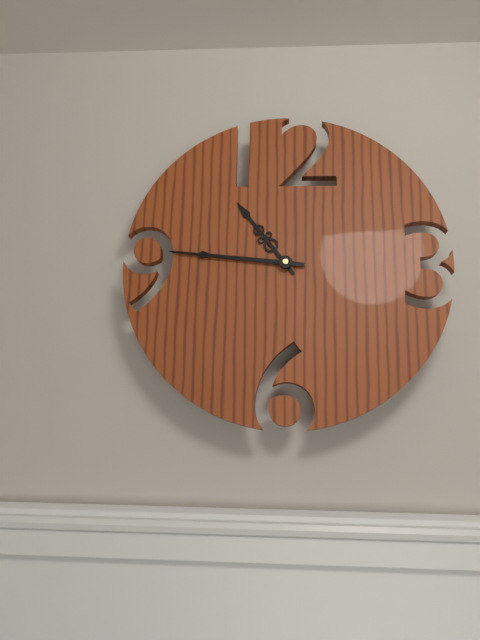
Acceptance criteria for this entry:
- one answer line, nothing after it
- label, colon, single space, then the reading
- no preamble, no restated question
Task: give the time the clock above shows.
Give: 10:46
